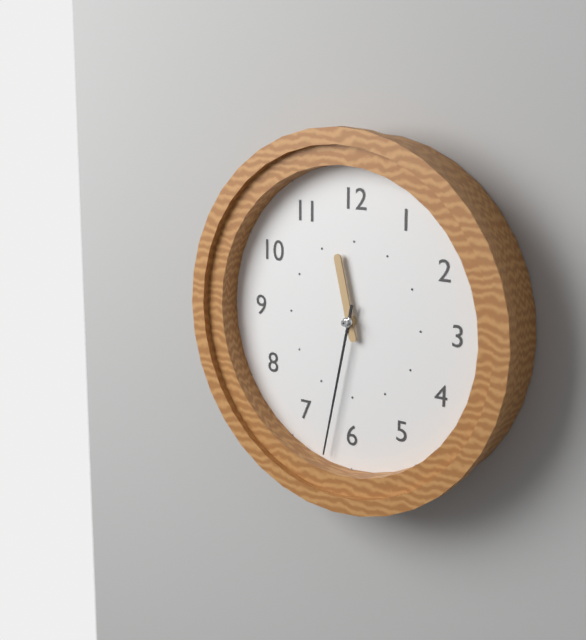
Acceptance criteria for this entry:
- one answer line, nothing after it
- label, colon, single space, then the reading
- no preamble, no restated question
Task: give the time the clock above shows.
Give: 11:32
